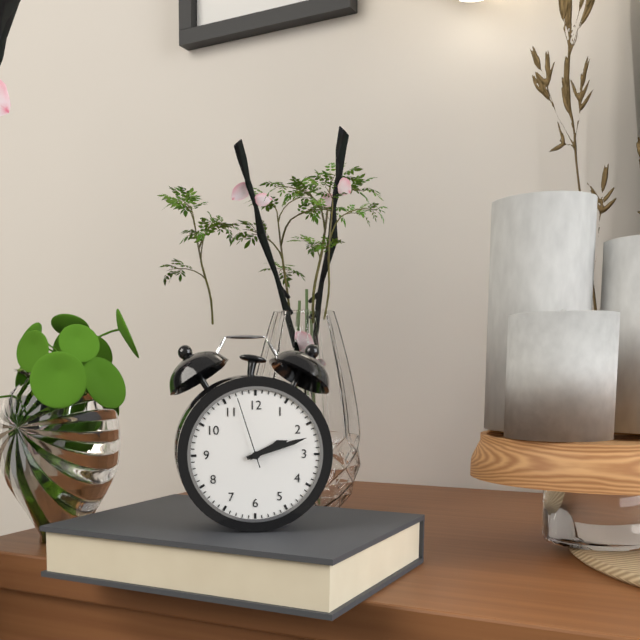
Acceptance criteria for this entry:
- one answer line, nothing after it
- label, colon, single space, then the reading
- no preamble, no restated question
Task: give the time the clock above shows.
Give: 2:12:57
